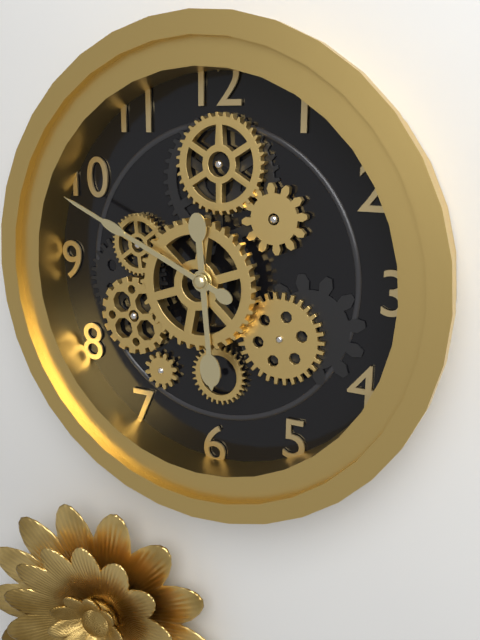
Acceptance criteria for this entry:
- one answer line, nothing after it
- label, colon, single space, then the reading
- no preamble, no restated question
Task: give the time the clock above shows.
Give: 5:49
